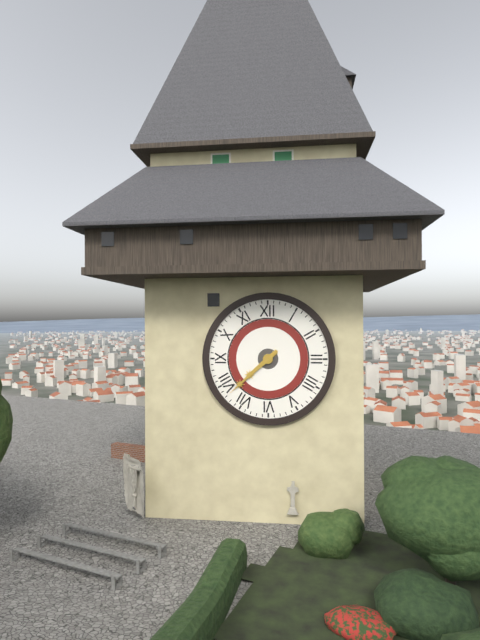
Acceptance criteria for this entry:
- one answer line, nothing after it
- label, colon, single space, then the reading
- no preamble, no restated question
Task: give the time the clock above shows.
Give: 7:38
